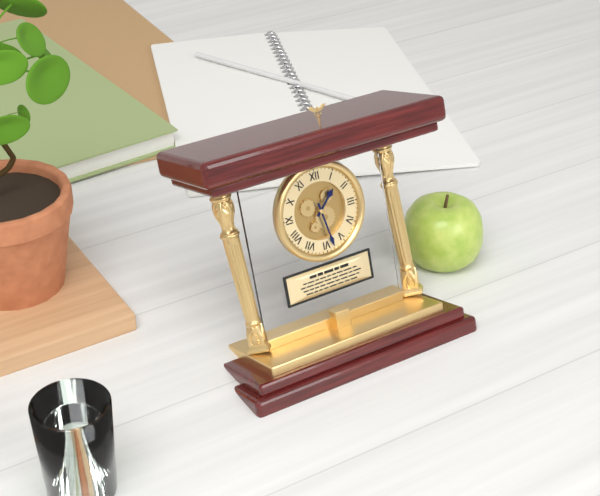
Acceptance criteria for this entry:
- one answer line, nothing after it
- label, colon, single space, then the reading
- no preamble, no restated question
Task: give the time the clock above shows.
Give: 1:28
